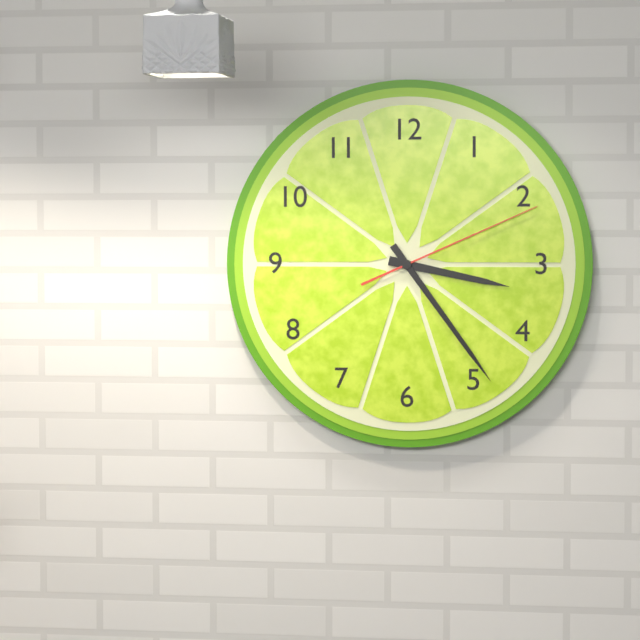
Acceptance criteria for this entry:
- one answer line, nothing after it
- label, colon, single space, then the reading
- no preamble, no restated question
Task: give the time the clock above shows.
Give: 3:24:11
